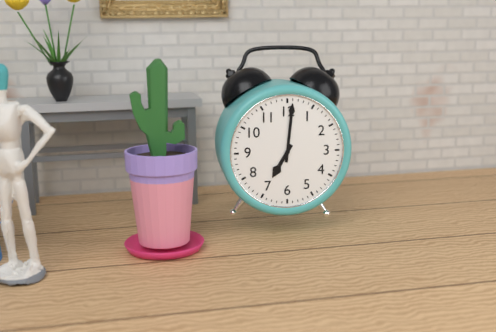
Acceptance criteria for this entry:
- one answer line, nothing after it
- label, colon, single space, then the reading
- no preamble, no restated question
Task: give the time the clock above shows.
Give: 7:01
